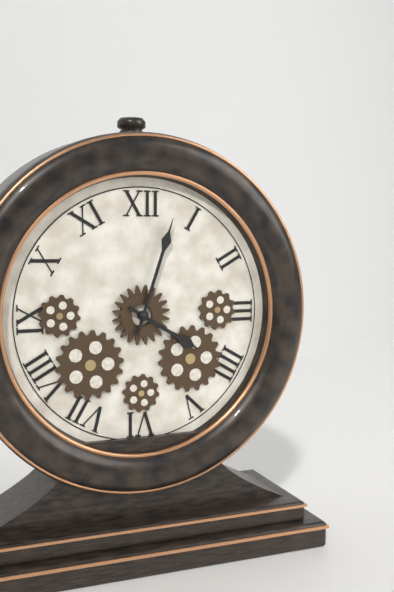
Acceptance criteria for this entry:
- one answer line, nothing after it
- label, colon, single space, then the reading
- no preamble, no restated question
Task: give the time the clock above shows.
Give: 4:03
